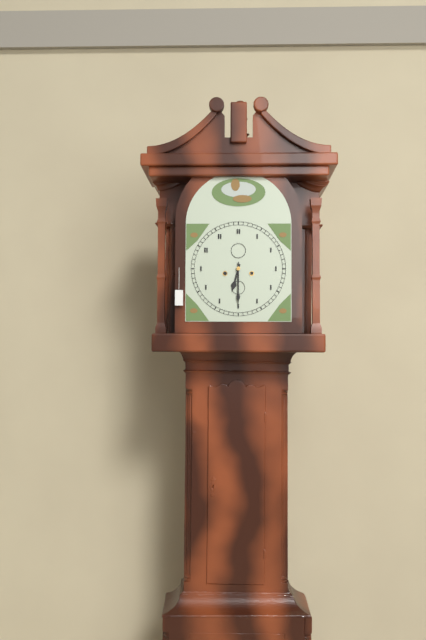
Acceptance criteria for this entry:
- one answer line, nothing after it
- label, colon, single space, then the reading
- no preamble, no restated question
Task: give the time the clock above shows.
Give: 6:30
